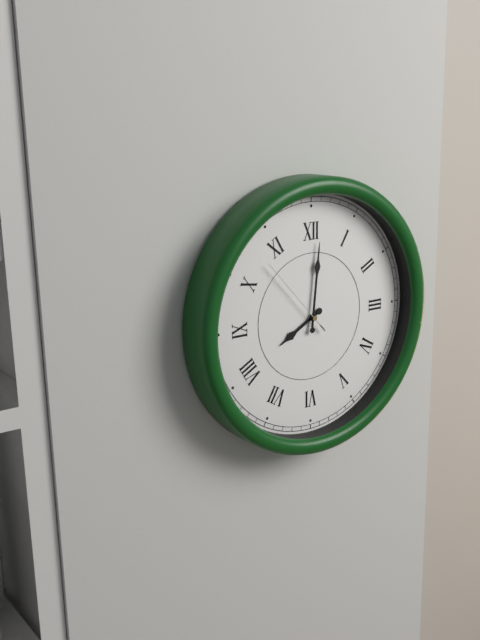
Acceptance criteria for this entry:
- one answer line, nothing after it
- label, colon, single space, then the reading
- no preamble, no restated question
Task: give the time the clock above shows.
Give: 8:01:53
